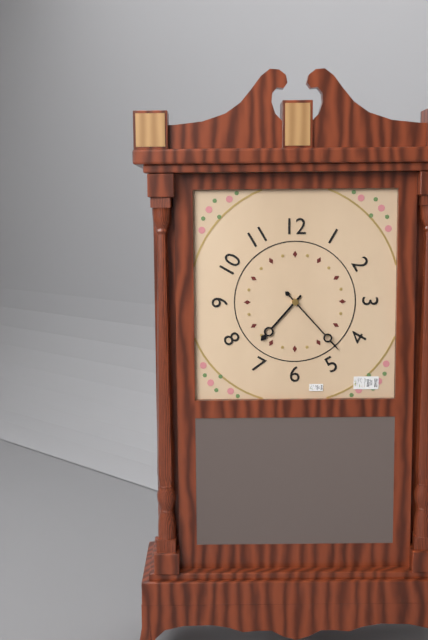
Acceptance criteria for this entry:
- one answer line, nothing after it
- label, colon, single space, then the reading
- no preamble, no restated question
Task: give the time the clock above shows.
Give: 7:23
